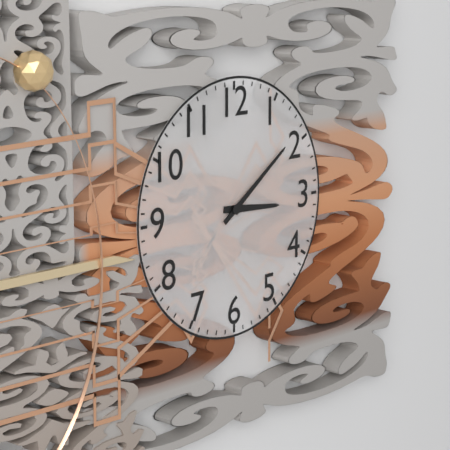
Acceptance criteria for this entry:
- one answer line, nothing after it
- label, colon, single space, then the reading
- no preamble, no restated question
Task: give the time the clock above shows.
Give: 3:09
